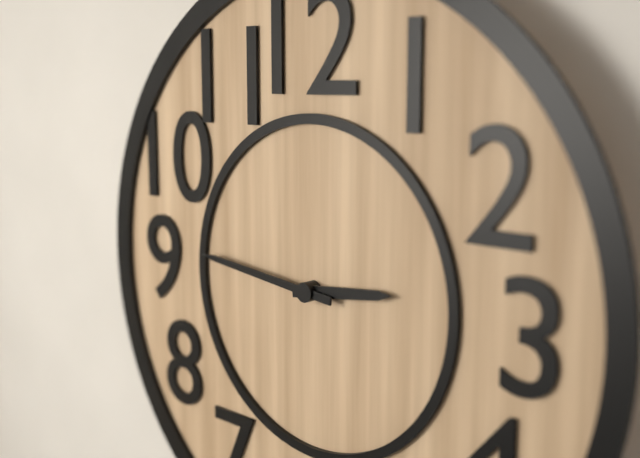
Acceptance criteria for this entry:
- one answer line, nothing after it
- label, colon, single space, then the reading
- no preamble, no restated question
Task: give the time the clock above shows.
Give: 2:46
